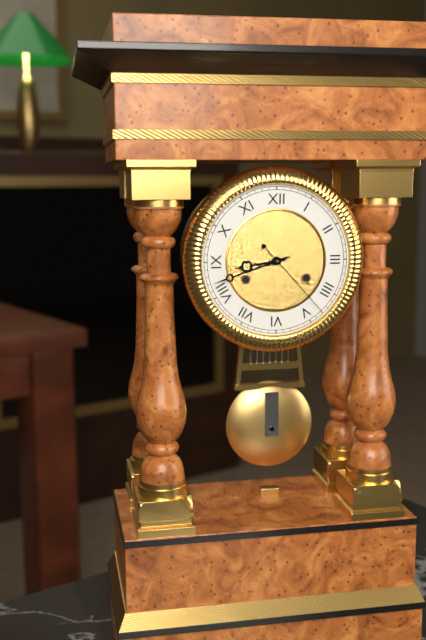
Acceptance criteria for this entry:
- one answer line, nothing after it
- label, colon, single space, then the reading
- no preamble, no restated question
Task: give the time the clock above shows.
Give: 8:42:23
